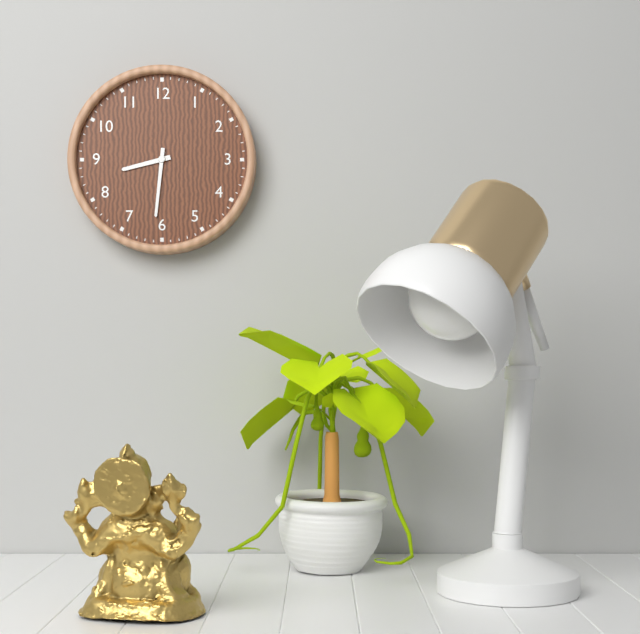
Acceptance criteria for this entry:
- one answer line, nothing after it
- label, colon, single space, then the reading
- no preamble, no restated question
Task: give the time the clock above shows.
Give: 8:31
